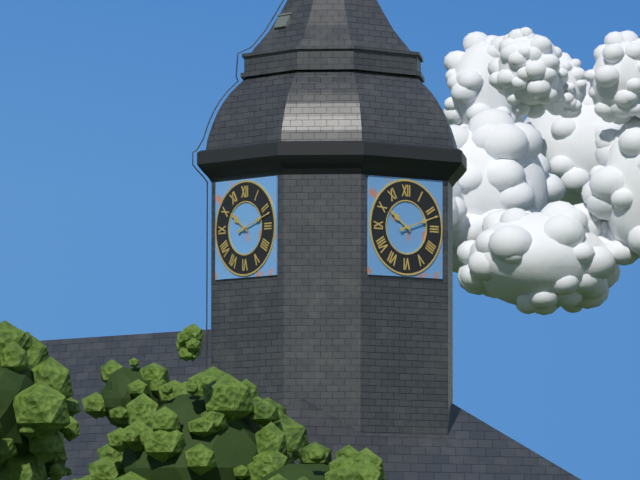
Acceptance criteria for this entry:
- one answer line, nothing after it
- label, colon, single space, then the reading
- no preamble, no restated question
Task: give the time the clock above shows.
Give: 10:12
